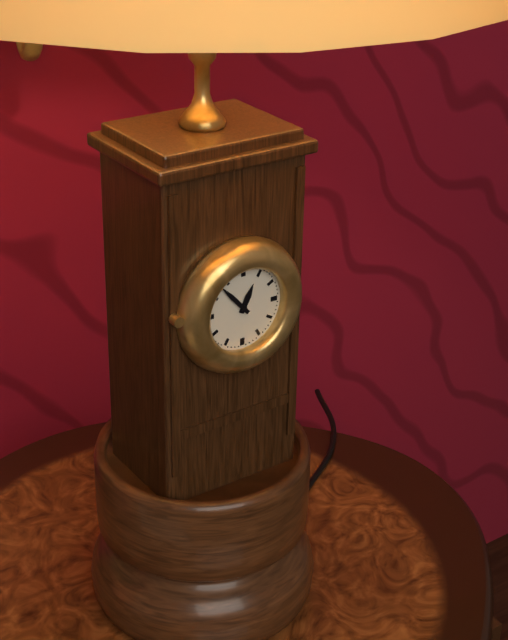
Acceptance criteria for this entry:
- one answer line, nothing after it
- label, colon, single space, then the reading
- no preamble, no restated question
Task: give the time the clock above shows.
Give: 12:53
